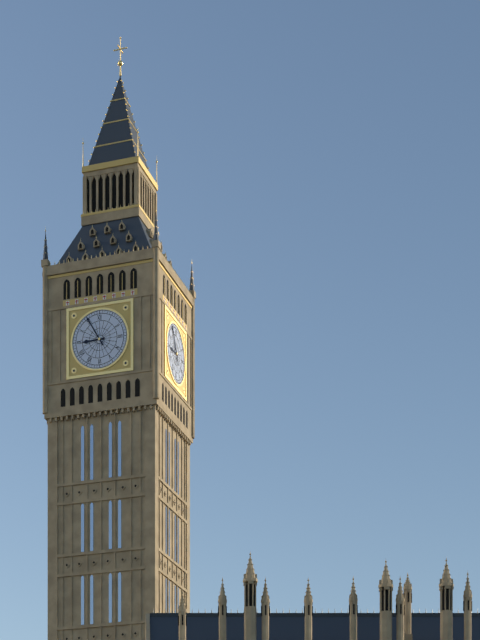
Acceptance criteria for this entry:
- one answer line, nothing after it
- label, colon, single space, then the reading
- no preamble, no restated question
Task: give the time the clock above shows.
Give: 8:55
